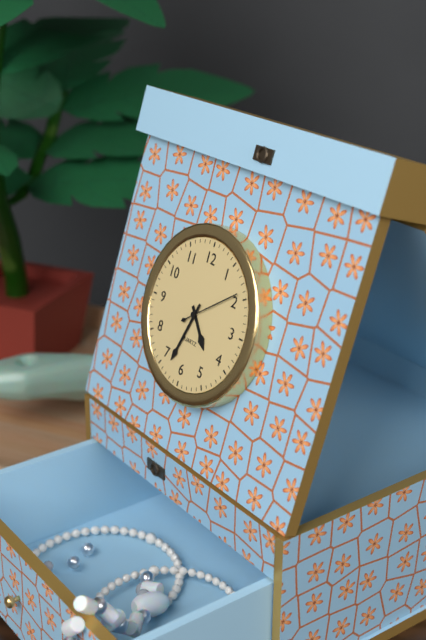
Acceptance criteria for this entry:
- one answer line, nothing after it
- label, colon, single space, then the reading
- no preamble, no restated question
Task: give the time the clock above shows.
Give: 4:33:09
